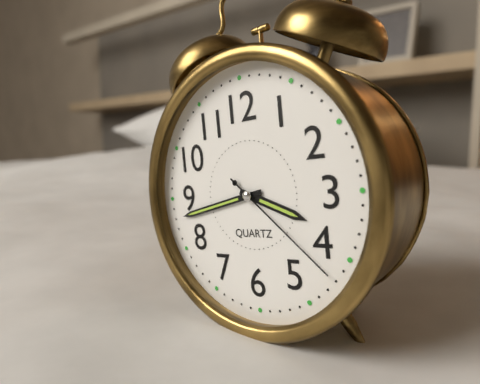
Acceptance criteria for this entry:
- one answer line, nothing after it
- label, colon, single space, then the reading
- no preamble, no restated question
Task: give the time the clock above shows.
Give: 3:43:22
